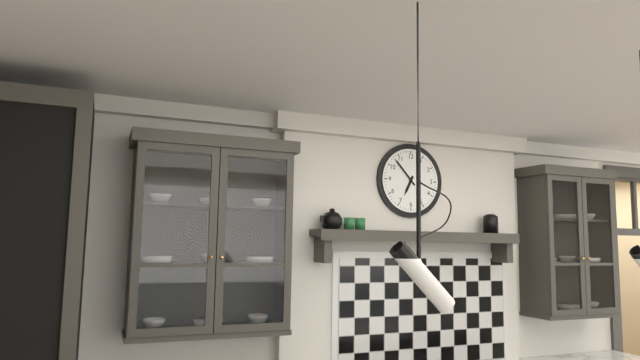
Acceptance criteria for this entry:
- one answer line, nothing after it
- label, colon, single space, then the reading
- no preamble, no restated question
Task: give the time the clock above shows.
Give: 6:53
